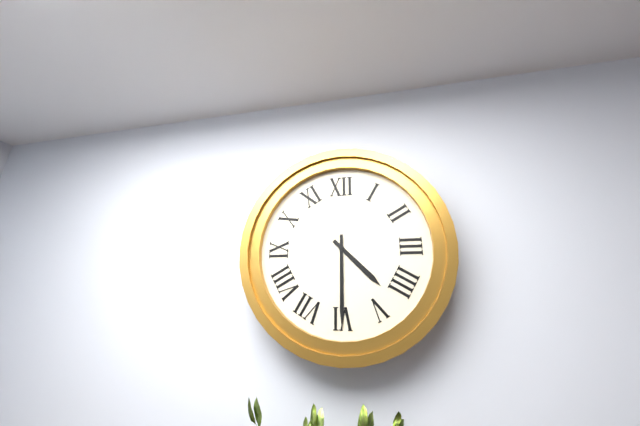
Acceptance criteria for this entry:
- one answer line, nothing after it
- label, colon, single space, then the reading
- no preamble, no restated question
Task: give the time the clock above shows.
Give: 4:30
